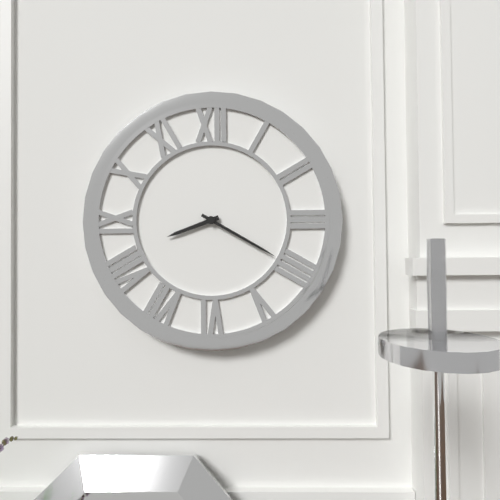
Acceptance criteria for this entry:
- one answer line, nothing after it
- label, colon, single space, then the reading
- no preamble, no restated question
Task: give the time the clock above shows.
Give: 8:20
